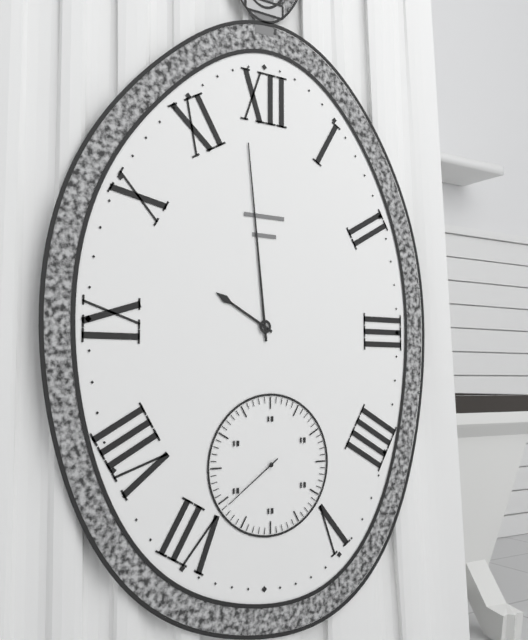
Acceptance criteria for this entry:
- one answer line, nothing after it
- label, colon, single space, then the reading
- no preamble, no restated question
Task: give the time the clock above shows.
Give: 9:59:39
